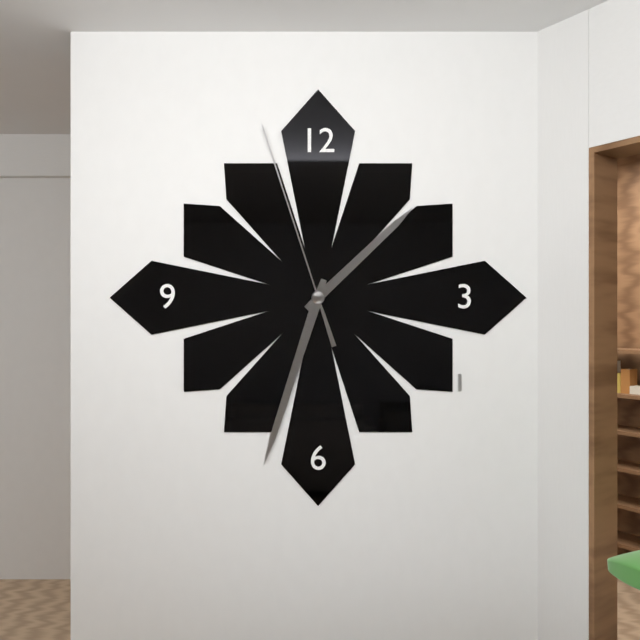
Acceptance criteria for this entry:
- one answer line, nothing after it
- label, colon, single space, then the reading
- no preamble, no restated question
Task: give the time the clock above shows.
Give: 1:33:57
